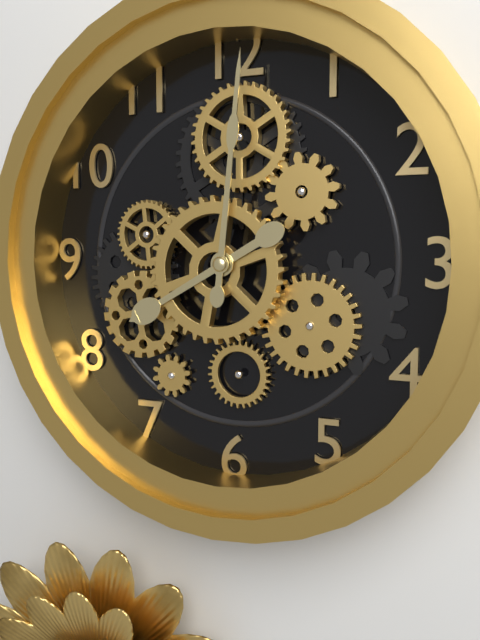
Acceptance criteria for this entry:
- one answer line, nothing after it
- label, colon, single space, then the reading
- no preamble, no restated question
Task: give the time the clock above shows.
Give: 8:01
